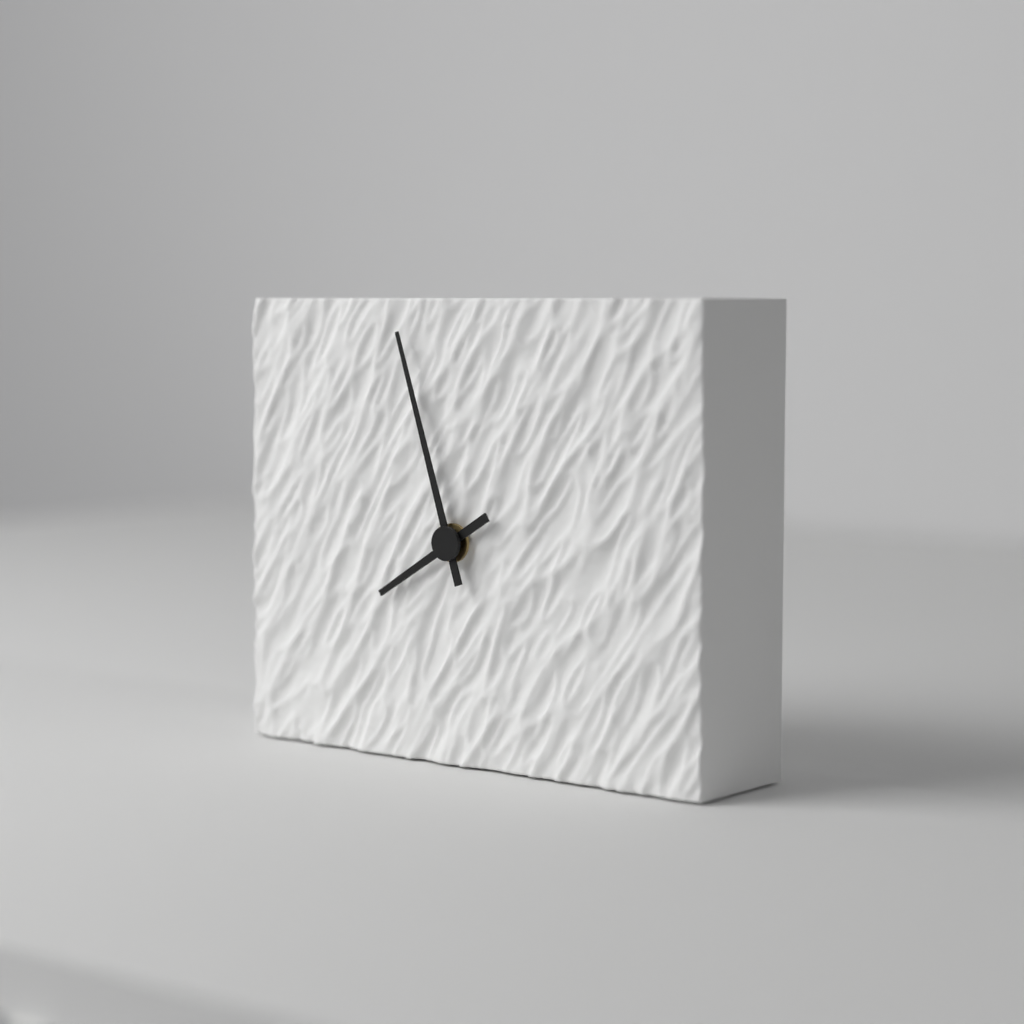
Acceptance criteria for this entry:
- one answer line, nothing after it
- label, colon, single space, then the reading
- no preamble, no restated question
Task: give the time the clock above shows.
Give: 7:57
